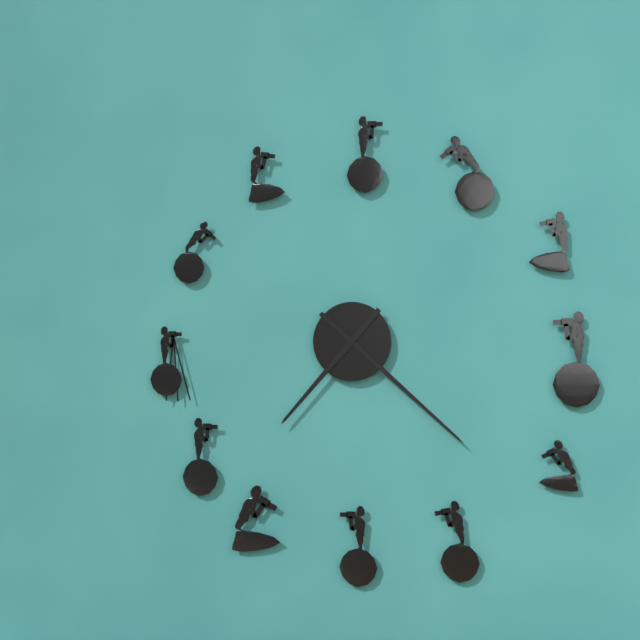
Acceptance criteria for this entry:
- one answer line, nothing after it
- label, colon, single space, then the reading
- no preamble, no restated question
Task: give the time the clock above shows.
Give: 7:22
